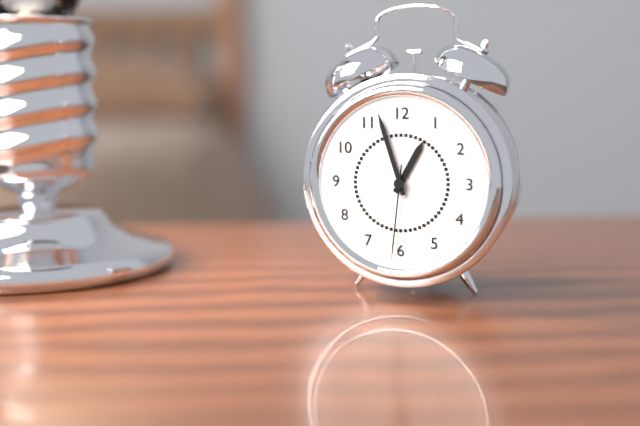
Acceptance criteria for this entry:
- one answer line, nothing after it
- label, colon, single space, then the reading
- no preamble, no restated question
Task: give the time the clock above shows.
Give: 12:57:31
